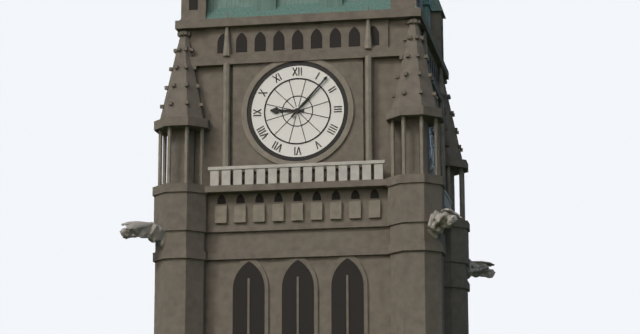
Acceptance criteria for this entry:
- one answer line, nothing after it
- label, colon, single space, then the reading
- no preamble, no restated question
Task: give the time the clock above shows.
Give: 9:07
